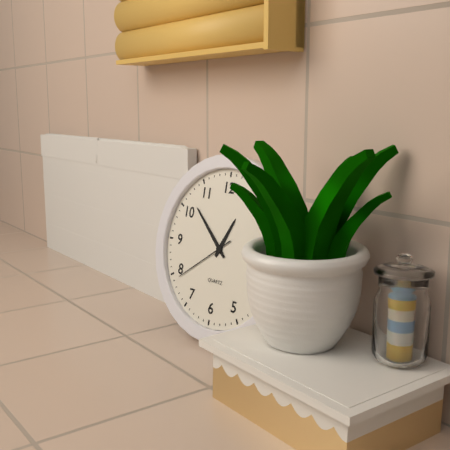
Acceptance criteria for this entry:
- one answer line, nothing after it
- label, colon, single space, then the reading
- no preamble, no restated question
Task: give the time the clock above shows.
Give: 12:52:39
